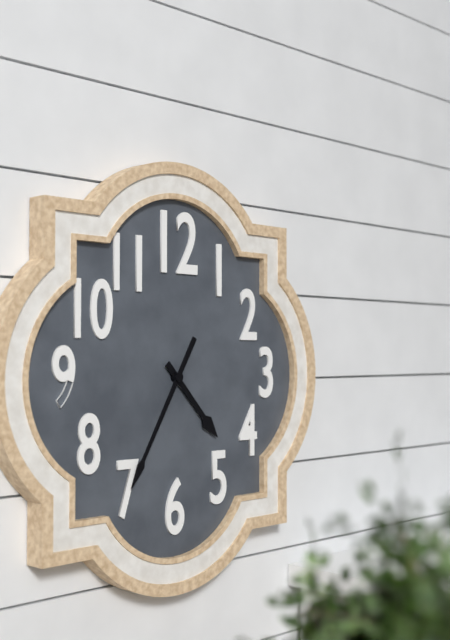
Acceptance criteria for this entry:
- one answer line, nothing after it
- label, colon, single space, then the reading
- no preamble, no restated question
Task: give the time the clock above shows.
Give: 4:35
